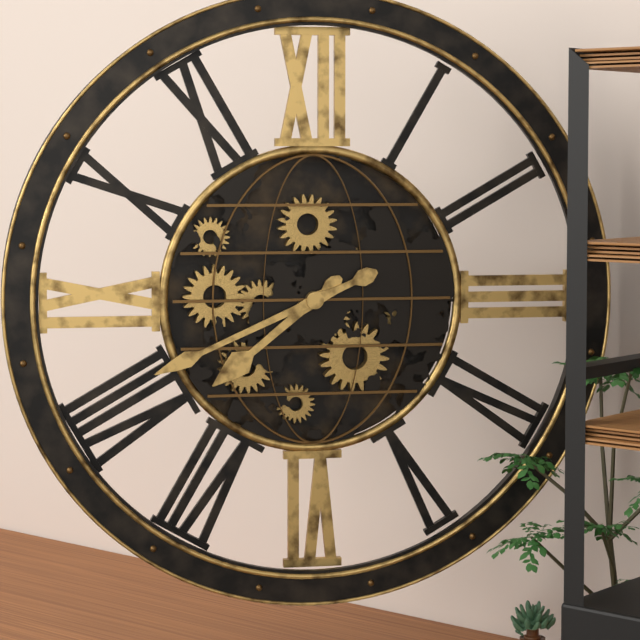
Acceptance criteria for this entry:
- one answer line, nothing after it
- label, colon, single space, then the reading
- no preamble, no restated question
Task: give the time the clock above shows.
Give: 7:41
